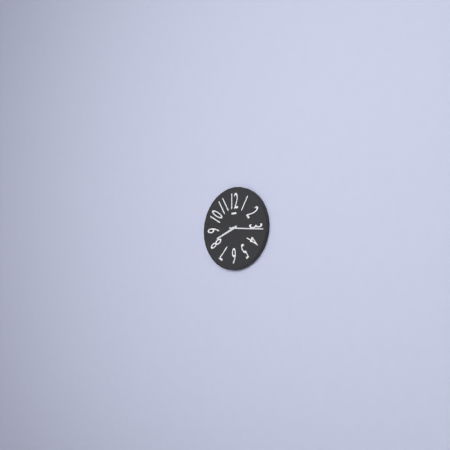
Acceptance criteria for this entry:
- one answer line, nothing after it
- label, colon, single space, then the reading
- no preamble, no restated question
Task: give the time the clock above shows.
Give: 8:16
